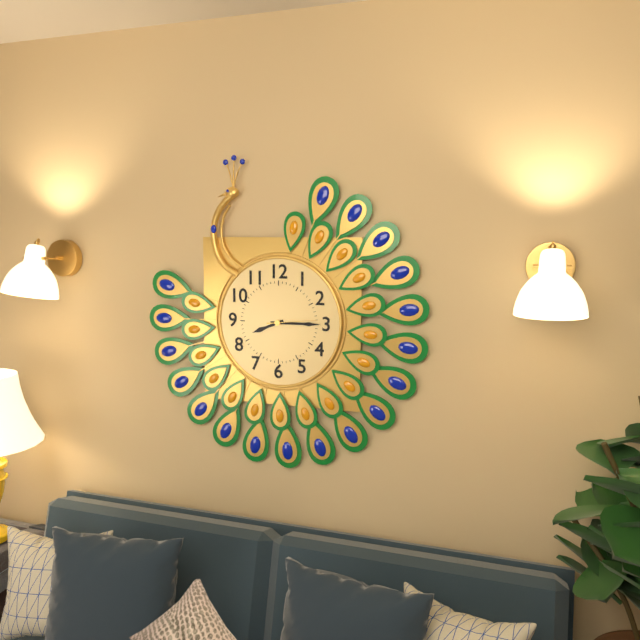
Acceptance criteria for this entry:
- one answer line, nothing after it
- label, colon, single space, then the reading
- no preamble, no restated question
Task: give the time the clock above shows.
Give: 8:15:14
